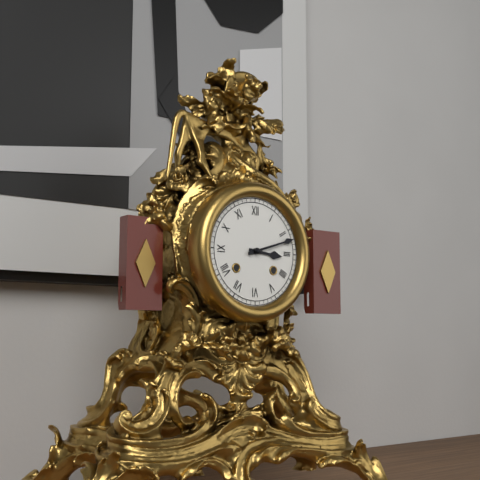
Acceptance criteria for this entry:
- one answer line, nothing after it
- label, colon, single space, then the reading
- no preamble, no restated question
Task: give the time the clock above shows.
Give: 3:12
